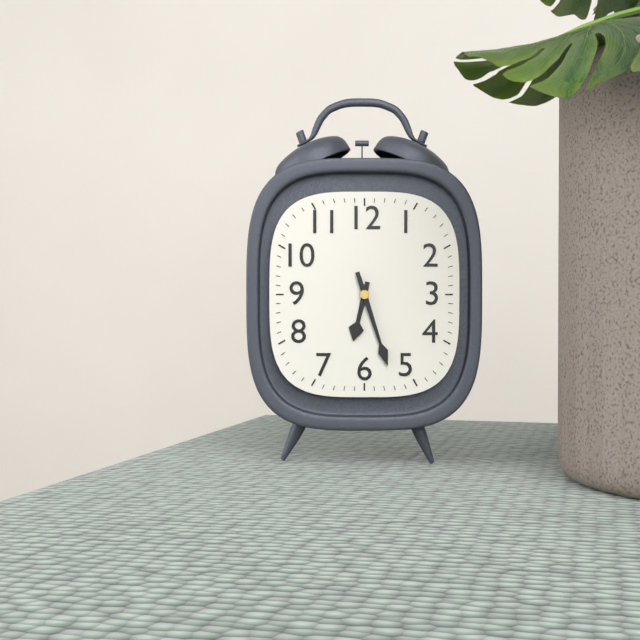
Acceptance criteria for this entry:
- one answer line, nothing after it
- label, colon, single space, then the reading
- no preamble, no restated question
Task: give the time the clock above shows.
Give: 6:27
